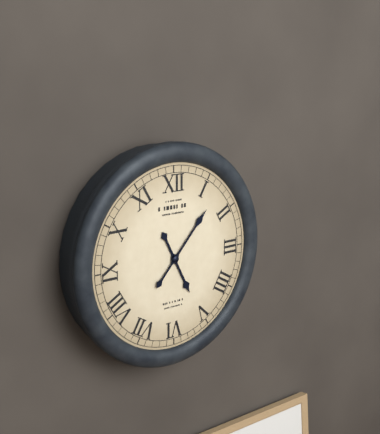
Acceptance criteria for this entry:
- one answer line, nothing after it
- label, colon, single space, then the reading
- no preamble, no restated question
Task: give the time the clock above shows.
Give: 5:07
